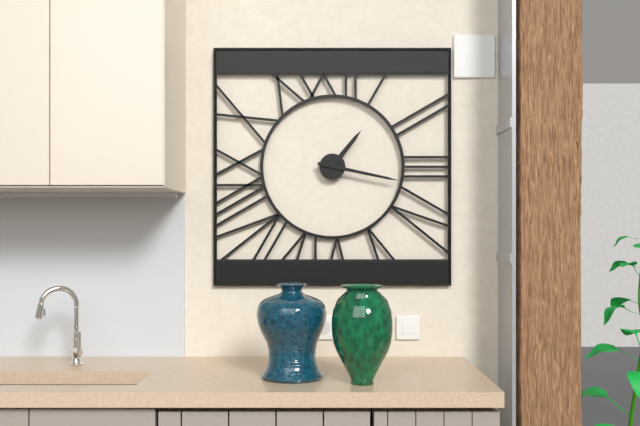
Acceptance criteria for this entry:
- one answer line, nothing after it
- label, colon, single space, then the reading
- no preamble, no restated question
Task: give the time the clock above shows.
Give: 1:17
